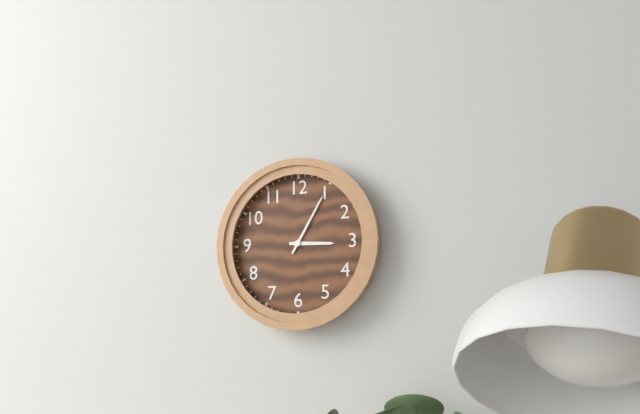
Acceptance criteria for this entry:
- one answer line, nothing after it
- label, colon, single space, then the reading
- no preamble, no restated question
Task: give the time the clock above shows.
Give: 3:05
